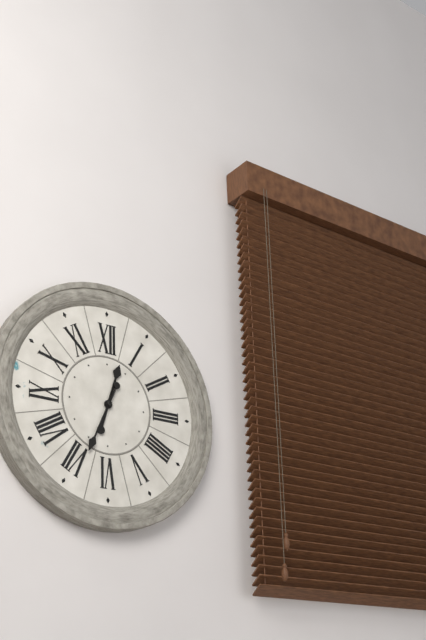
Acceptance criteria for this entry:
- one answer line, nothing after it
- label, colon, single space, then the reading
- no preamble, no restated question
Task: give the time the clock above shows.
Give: 12:34
